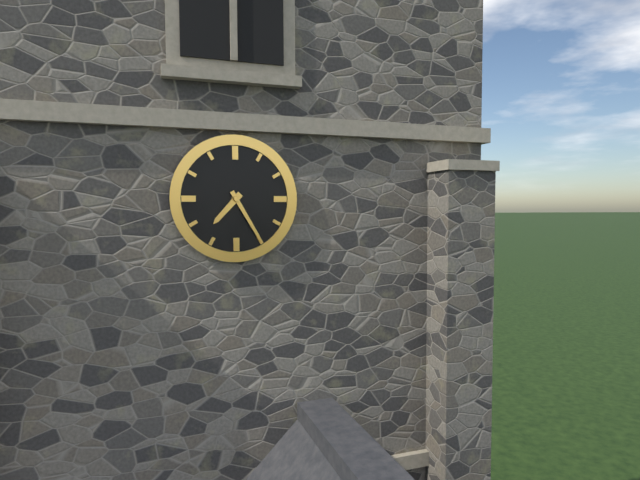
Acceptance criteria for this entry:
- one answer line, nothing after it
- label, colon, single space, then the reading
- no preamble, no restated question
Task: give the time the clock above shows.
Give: 7:25
